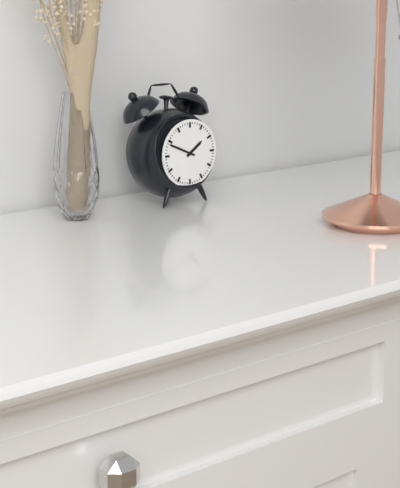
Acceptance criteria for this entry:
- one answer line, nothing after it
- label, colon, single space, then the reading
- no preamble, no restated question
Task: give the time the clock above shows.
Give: 1:49
